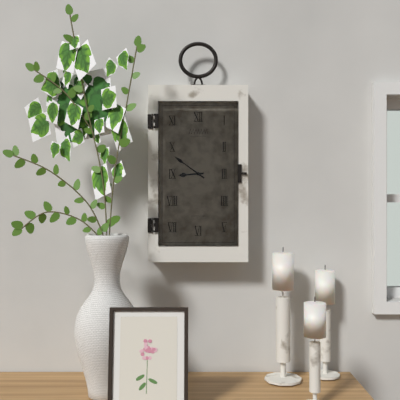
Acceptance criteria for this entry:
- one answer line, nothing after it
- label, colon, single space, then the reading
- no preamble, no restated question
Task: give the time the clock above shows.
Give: 8:51
